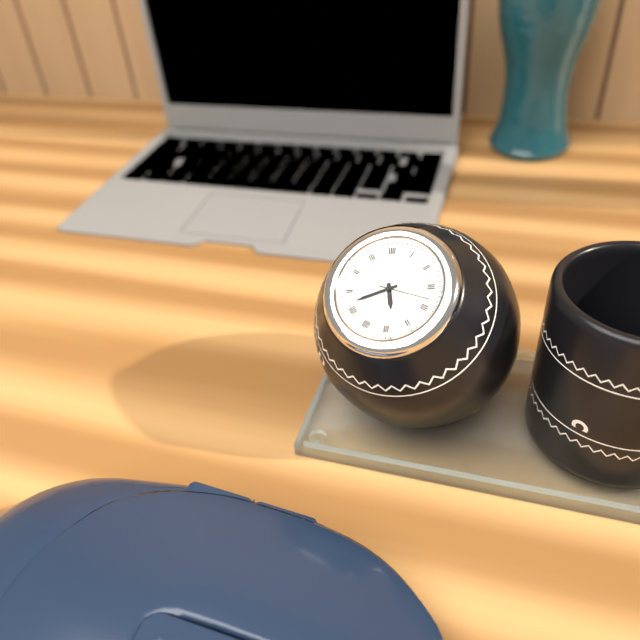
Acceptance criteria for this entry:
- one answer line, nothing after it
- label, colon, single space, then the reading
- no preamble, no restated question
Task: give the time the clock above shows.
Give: 5:42:18
